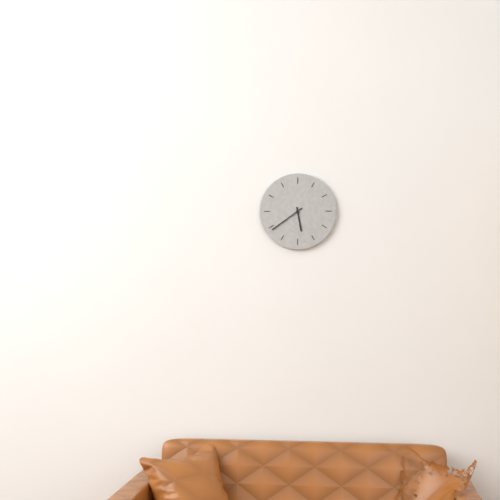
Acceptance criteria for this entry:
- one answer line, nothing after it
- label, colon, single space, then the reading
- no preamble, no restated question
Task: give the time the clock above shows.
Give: 5:39
